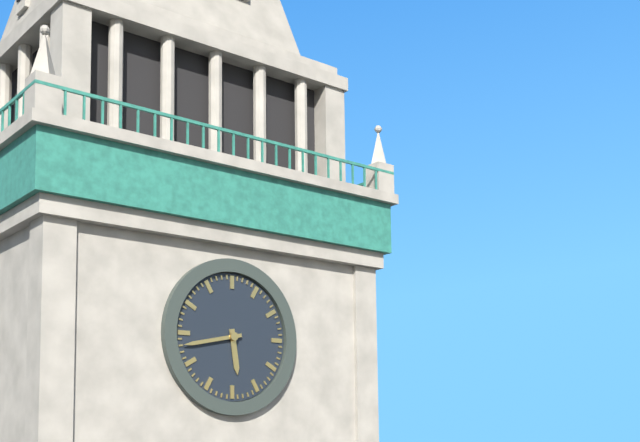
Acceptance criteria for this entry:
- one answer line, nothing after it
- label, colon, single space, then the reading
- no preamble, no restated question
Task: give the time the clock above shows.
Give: 5:43
